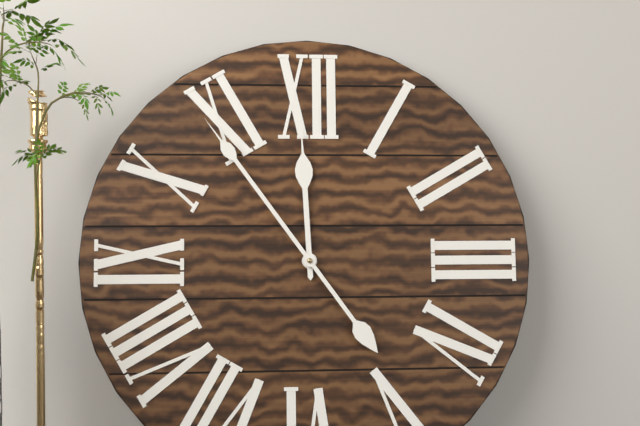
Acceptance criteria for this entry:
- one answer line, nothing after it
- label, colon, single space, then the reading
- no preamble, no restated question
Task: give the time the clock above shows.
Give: 11:54
